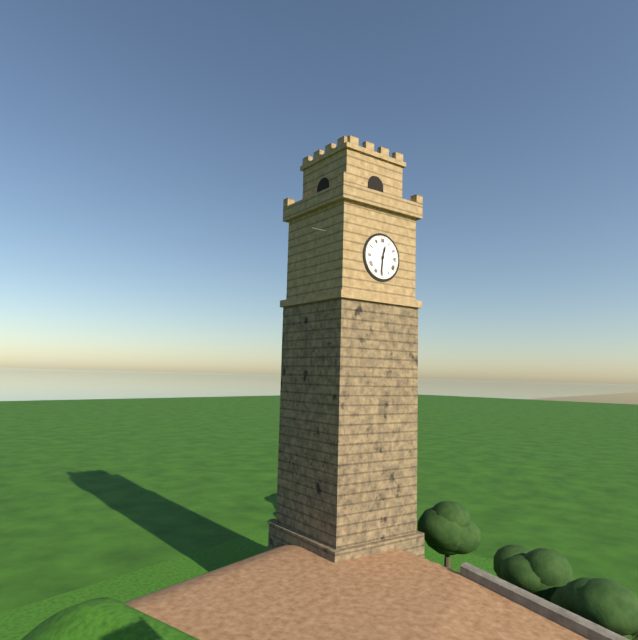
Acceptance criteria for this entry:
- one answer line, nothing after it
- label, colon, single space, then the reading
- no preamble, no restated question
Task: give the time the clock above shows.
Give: 12:31
